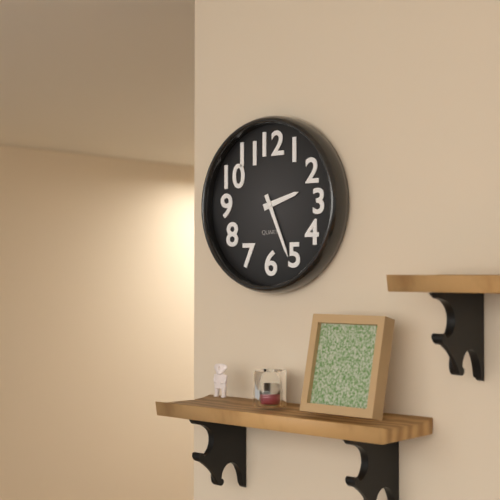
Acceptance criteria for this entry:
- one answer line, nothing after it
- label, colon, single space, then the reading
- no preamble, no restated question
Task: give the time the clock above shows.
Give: 2:26
